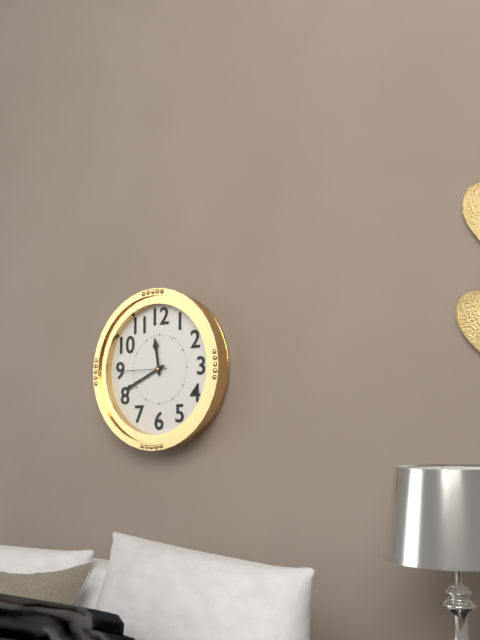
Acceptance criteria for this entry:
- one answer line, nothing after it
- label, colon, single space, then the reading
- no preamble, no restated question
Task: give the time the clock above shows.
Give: 11:41
